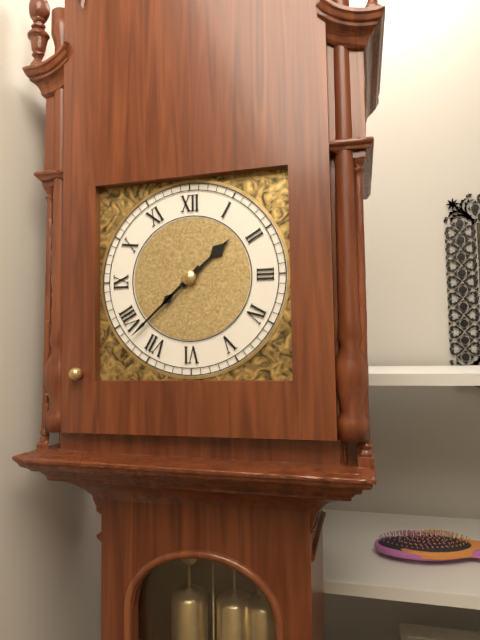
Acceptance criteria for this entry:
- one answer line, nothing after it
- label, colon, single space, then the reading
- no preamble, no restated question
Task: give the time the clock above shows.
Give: 1:38
